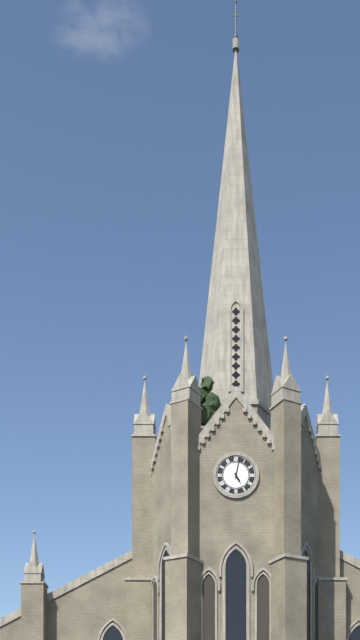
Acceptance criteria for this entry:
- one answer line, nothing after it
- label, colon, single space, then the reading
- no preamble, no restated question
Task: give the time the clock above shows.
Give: 5:02
